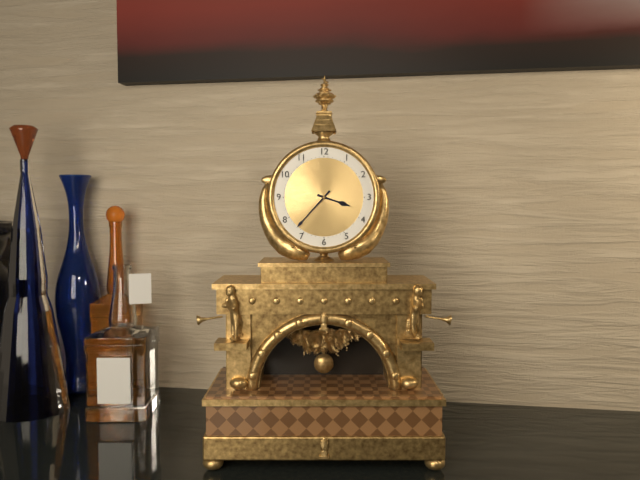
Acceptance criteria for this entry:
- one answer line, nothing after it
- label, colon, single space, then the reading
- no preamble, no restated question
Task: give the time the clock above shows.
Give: 3:37
